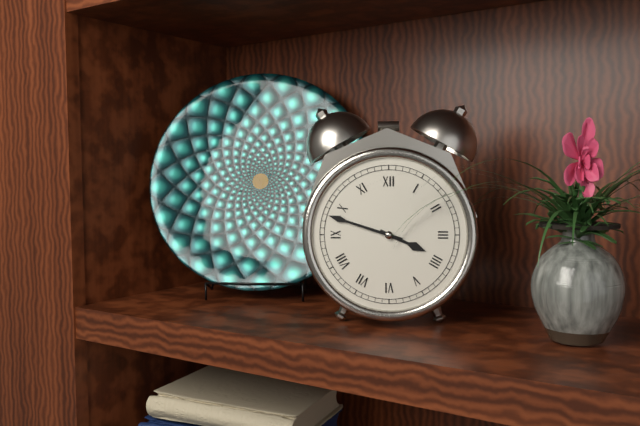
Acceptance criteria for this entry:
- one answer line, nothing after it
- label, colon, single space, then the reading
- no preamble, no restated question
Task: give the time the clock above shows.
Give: 3:48
